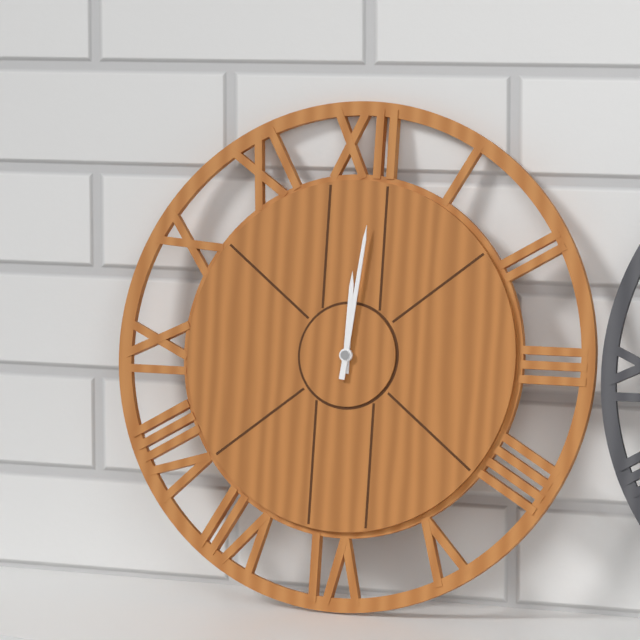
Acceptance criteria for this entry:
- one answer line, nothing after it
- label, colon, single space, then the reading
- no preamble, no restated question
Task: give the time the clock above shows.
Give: 12:01
